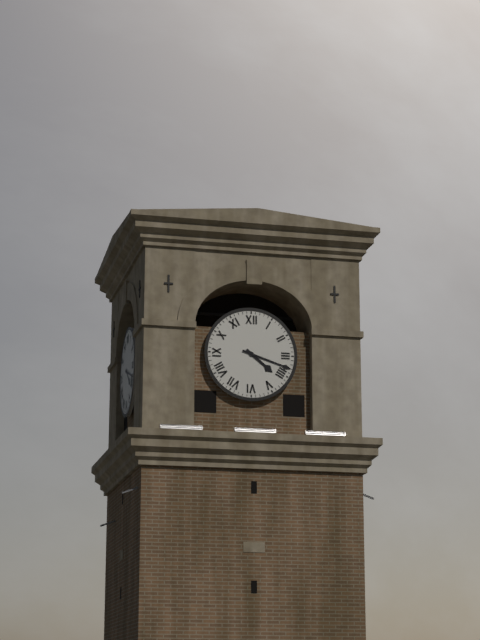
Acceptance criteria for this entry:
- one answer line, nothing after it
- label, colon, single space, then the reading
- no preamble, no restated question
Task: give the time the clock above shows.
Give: 4:18
